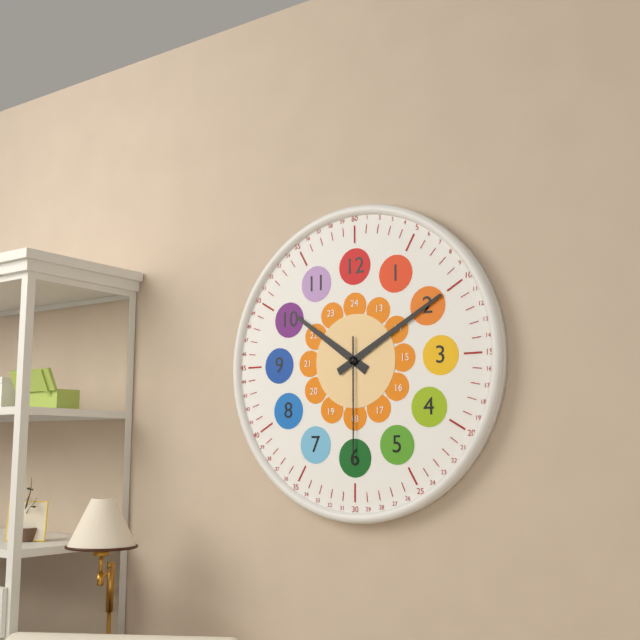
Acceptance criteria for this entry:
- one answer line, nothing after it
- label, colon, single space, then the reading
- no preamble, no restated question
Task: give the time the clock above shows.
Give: 10:10:30
